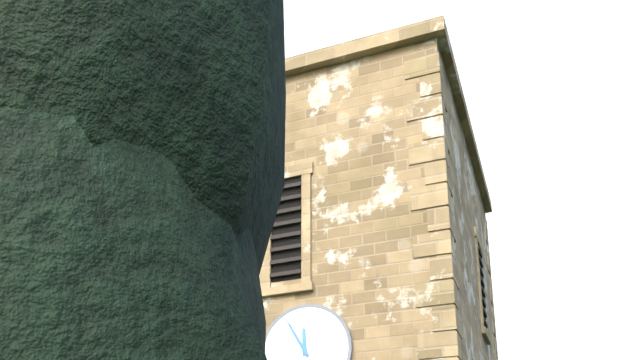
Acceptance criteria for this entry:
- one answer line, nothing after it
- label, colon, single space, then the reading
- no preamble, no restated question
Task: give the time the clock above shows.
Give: 11:55
